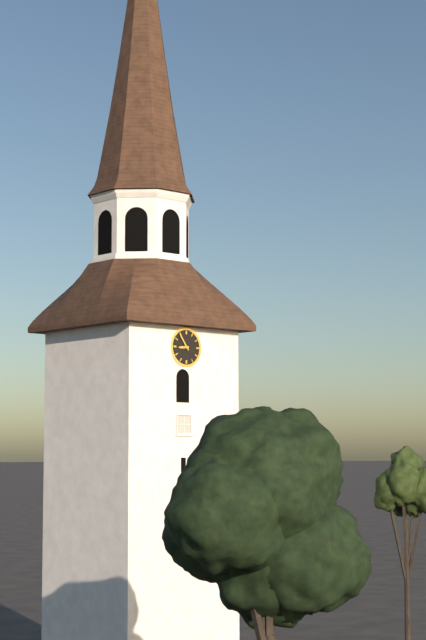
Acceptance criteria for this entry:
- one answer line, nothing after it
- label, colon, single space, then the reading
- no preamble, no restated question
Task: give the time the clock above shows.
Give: 8:54
